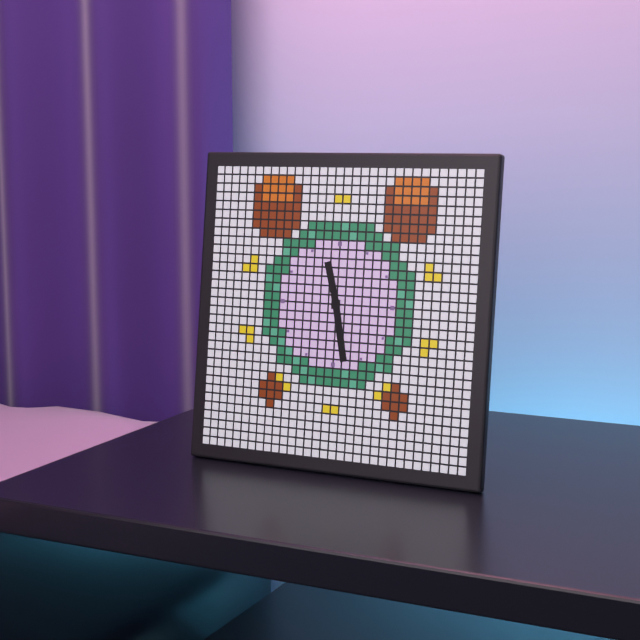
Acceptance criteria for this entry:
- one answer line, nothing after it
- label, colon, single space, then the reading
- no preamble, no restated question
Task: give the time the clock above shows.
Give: 11:28
